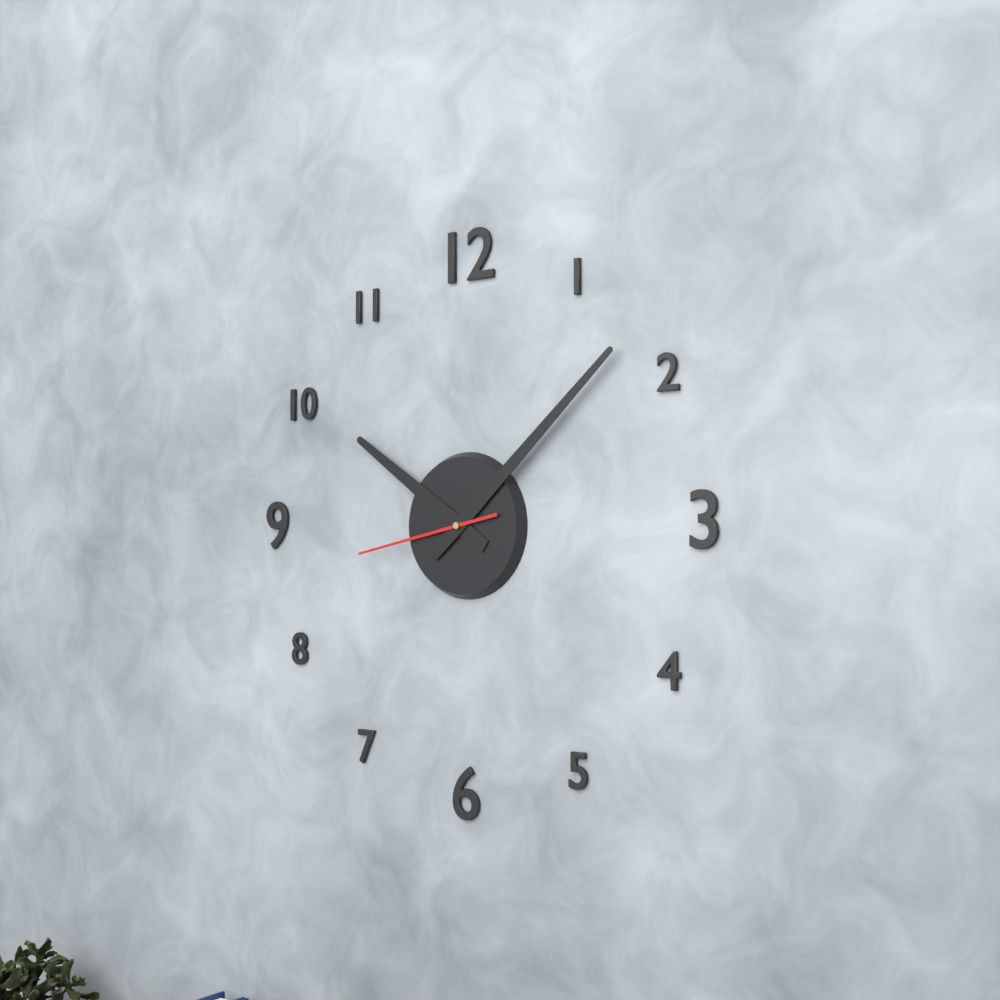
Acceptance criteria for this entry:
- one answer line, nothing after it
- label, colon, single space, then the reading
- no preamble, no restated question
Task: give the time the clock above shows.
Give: 10:08:43
